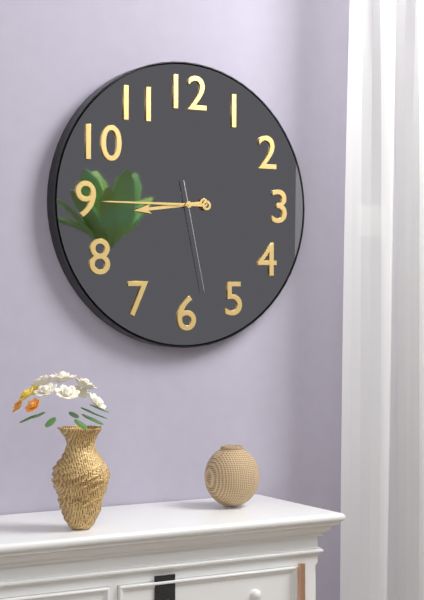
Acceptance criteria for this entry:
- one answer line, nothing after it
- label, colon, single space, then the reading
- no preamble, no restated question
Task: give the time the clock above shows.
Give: 8:45:28
